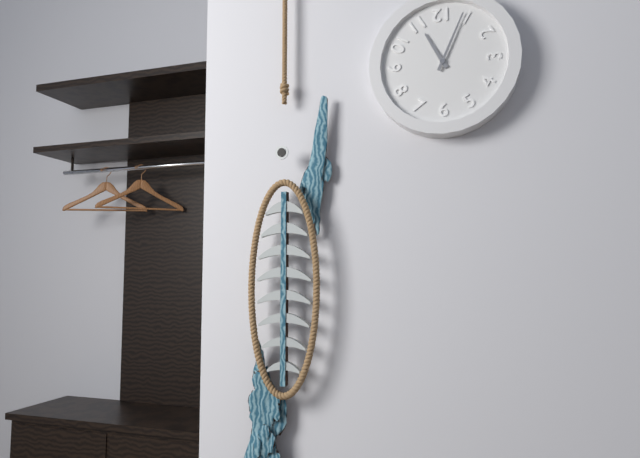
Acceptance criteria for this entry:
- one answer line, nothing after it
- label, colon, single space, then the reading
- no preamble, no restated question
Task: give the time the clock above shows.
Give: 11:04
